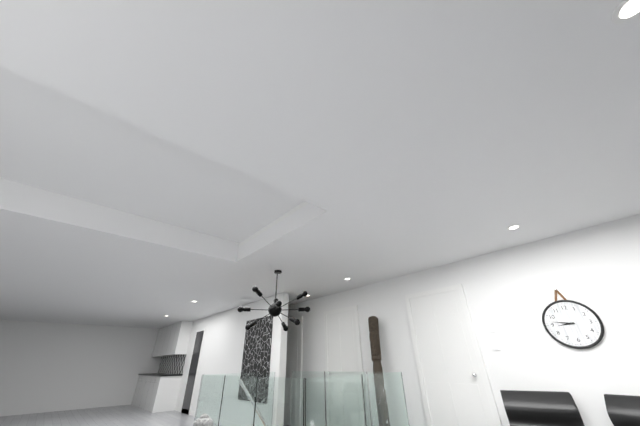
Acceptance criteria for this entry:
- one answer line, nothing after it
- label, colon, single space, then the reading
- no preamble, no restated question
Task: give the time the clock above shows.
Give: 8:47
